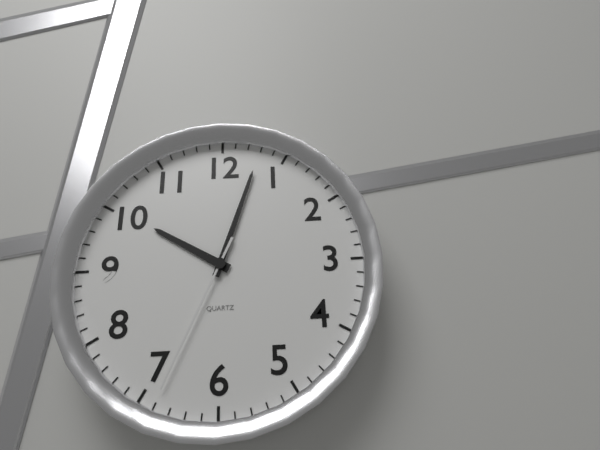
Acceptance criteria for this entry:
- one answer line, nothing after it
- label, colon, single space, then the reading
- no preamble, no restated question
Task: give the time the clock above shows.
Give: 10:03:34
